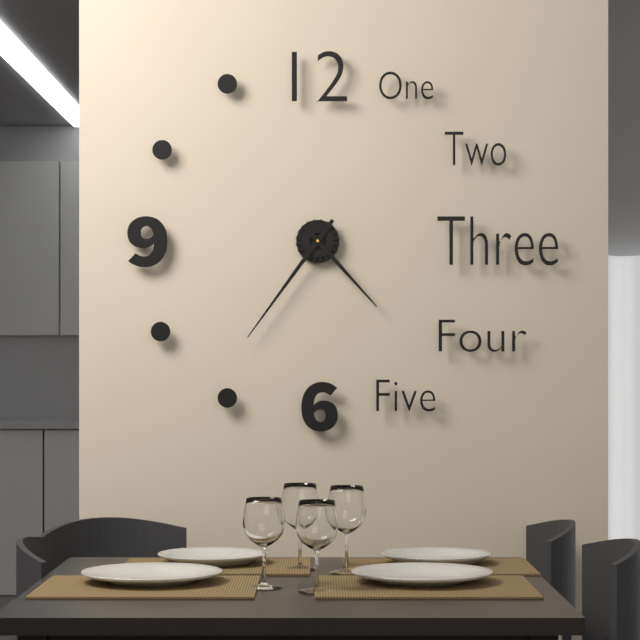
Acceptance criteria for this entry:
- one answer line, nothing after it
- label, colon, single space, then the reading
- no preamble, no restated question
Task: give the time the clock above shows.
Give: 4:36
